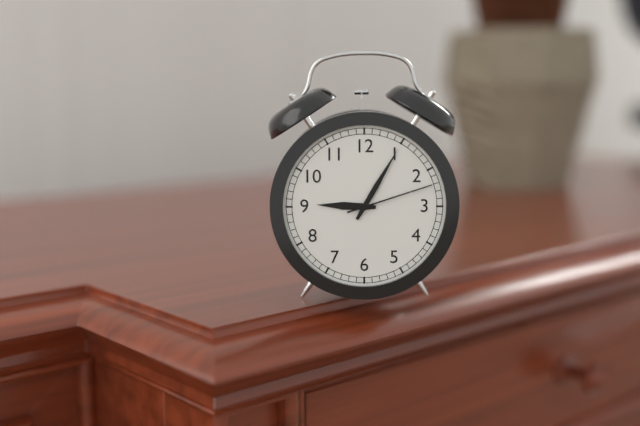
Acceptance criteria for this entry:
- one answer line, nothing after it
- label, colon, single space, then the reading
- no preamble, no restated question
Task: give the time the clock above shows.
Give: 9:05:12
